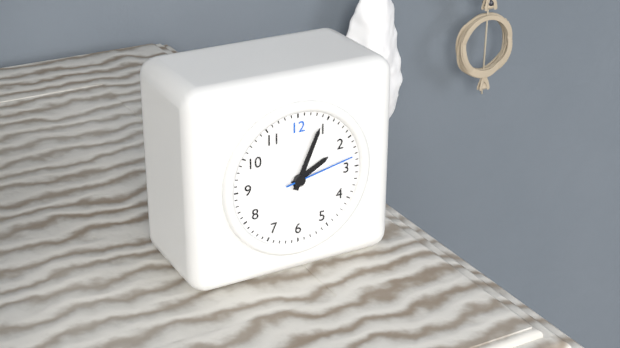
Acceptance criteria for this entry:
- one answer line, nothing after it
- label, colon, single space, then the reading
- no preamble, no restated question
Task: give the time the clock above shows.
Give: 2:04:13
